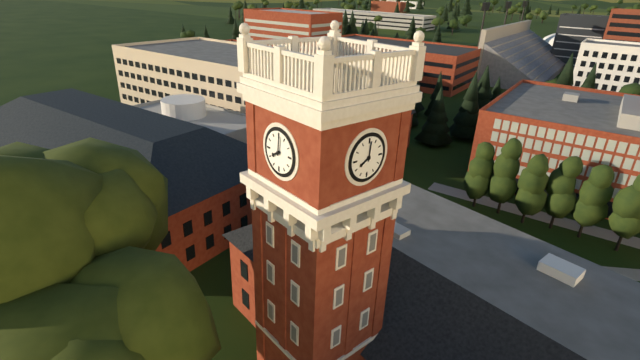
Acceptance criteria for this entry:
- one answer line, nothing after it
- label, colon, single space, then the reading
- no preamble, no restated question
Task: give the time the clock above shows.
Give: 8:01
